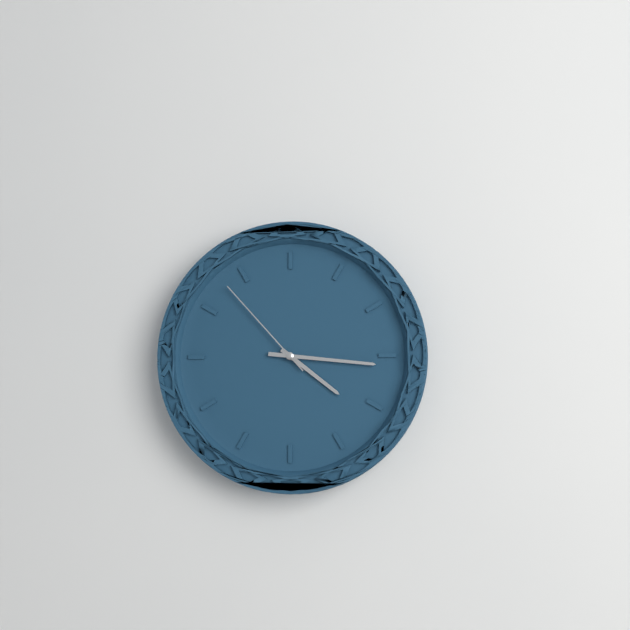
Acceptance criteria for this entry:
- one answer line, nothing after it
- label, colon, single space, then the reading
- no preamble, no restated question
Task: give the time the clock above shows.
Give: 4:16:53
